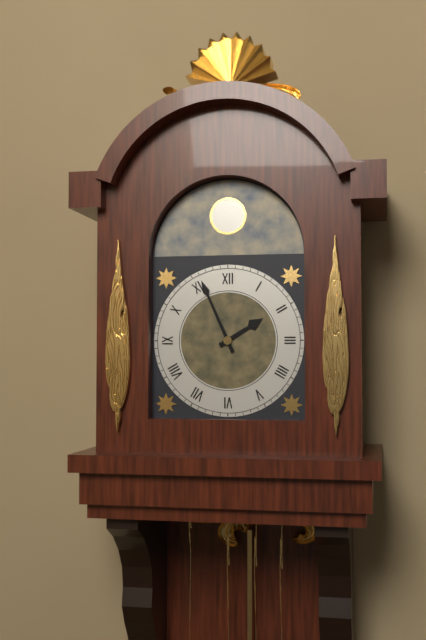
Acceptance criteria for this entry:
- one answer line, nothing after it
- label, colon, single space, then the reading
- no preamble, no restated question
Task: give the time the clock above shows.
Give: 1:56
